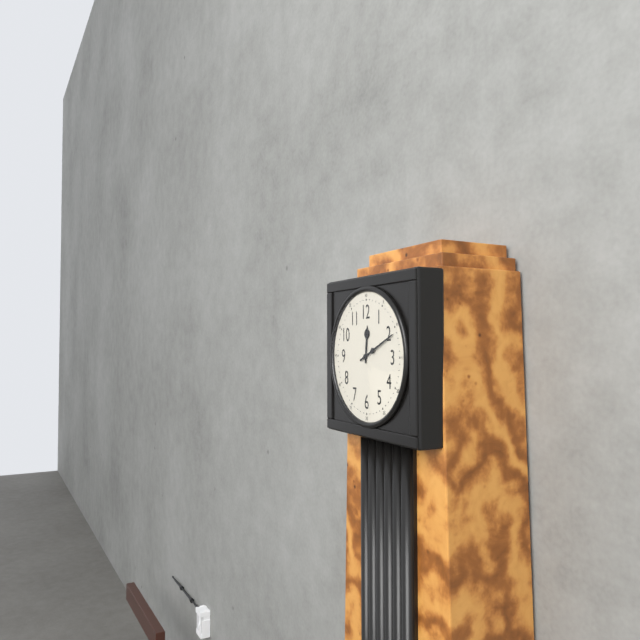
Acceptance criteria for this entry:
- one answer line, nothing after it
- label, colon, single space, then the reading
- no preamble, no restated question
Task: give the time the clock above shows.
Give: 12:11
